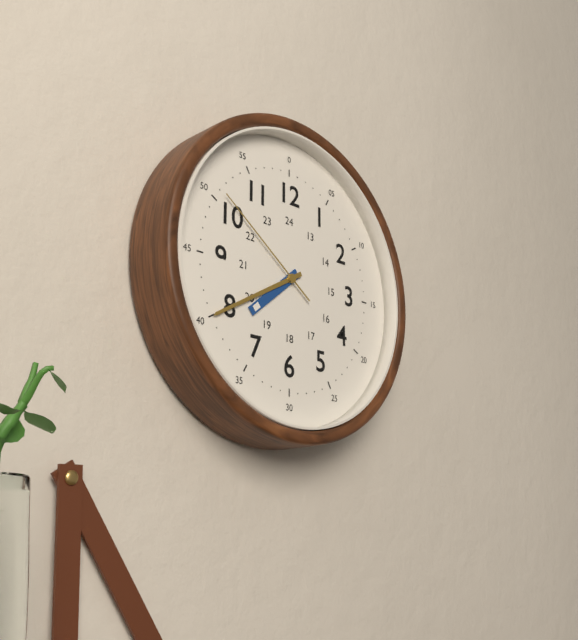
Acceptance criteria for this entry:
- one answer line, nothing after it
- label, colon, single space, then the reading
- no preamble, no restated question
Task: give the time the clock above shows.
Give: 7:40:51
